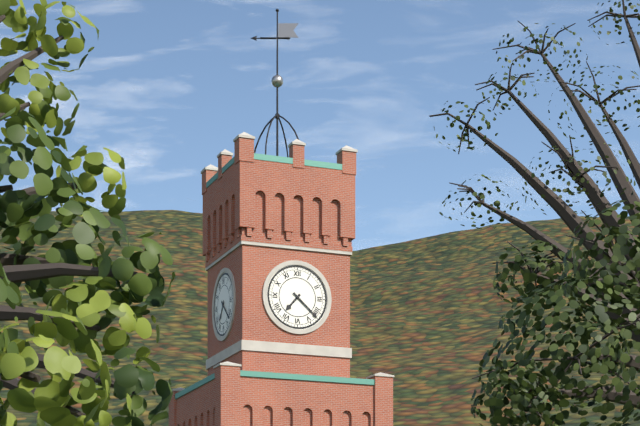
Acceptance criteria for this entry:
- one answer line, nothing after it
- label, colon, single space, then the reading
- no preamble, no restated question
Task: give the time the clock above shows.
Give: 7:22
